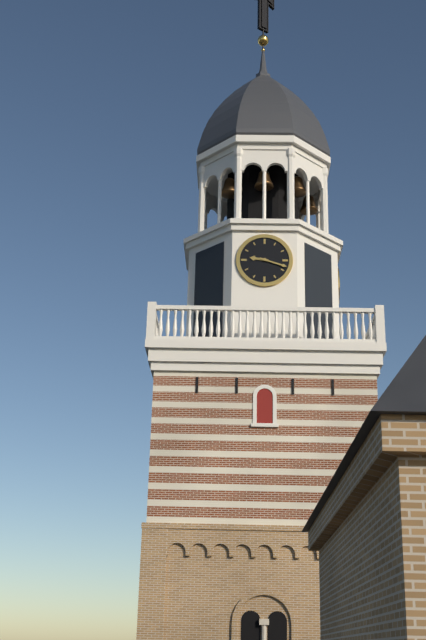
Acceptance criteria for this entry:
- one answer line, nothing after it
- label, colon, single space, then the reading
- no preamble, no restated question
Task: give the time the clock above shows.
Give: 9:18
